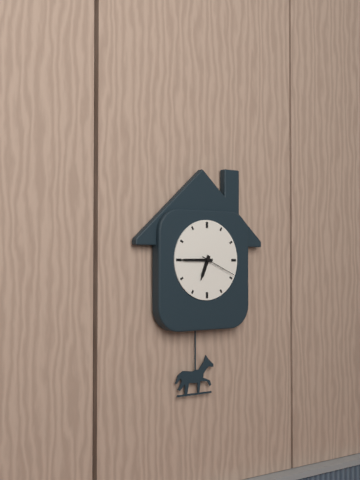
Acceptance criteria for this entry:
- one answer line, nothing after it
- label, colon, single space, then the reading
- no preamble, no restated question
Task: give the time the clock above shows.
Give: 6:45
